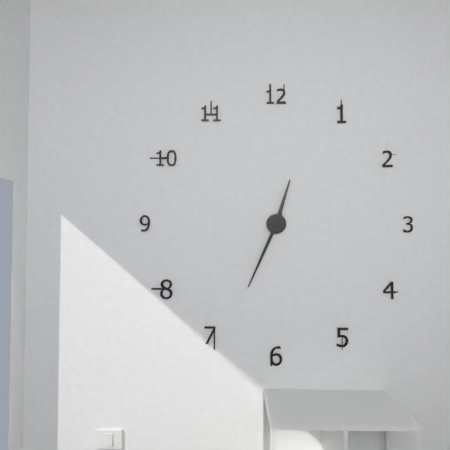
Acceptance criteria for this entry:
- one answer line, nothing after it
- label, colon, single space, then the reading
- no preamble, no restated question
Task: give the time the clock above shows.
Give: 12:34
